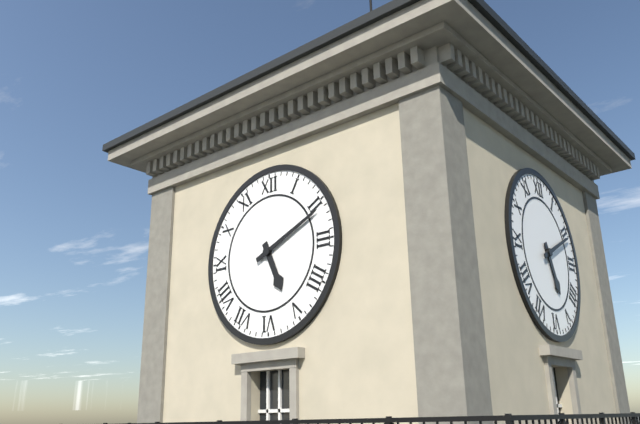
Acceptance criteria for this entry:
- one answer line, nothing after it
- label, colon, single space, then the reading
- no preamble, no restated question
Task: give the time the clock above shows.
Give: 5:11
